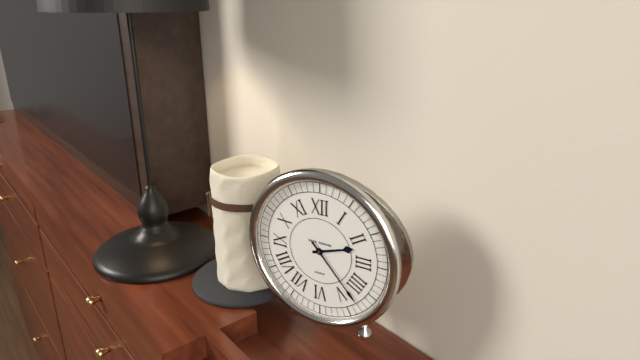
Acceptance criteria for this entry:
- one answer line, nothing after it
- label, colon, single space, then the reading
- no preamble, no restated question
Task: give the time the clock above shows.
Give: 2:23
